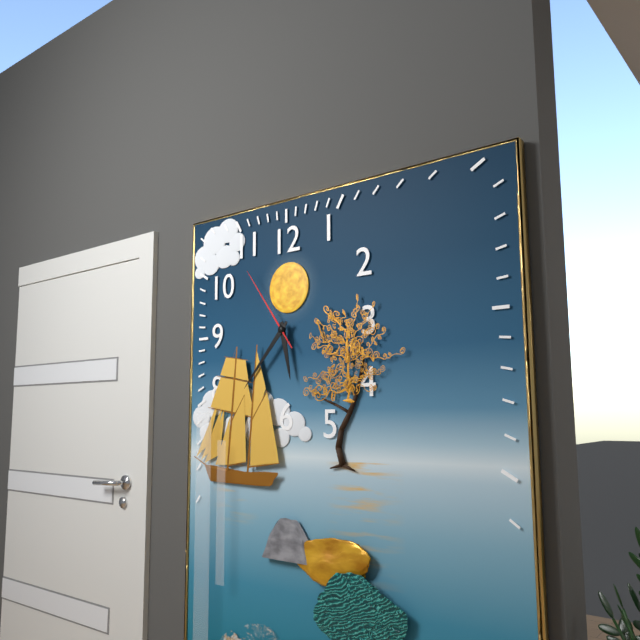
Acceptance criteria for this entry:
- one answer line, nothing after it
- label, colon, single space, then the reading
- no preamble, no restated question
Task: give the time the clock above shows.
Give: 5:37:54
